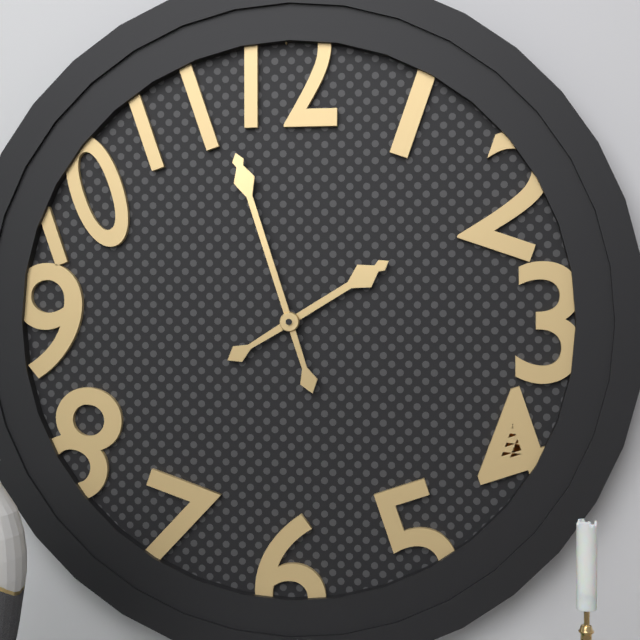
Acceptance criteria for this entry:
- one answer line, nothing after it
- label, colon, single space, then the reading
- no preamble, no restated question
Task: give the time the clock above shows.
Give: 1:57
